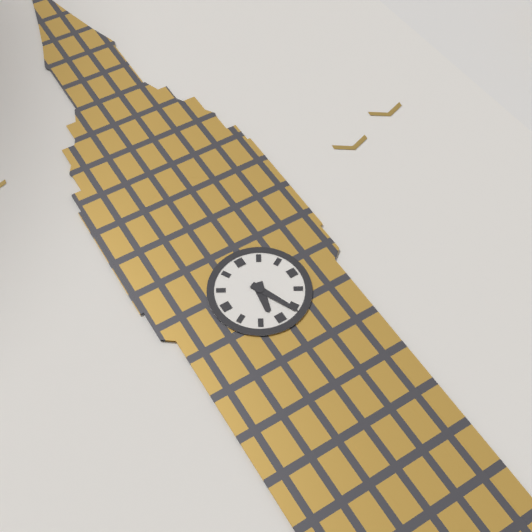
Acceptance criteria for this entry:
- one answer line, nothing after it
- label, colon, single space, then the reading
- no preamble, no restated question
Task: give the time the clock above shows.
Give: 6:26
